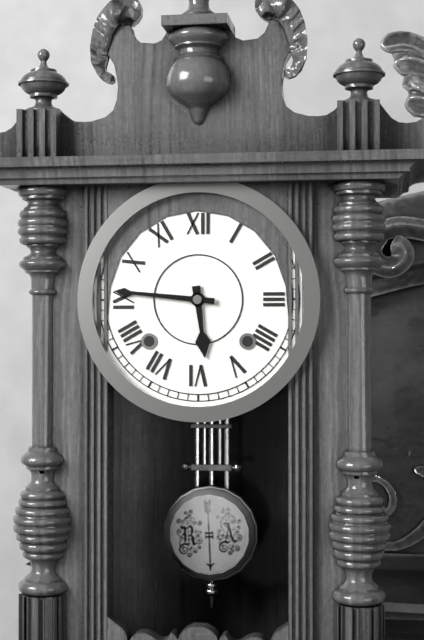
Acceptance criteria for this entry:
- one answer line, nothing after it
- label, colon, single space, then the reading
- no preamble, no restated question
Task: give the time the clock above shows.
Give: 5:46
